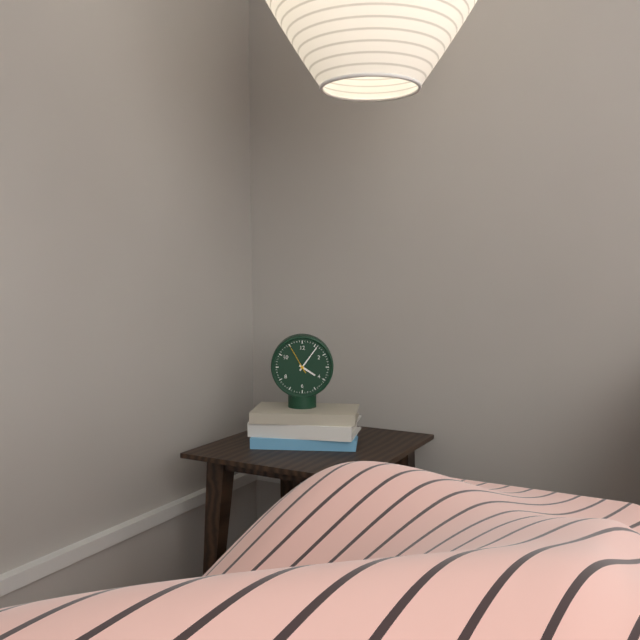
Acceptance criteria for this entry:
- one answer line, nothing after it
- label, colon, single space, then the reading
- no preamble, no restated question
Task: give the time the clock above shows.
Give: 4:06
